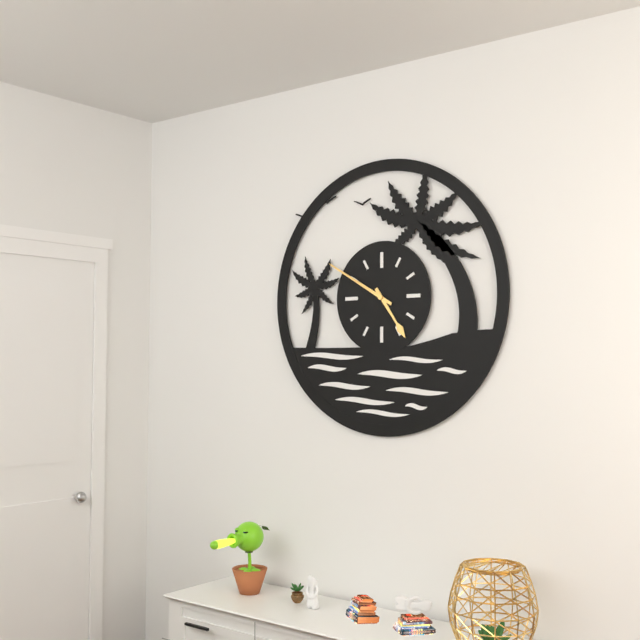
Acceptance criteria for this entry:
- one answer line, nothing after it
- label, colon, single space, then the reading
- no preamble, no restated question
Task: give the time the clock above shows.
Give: 4:50
